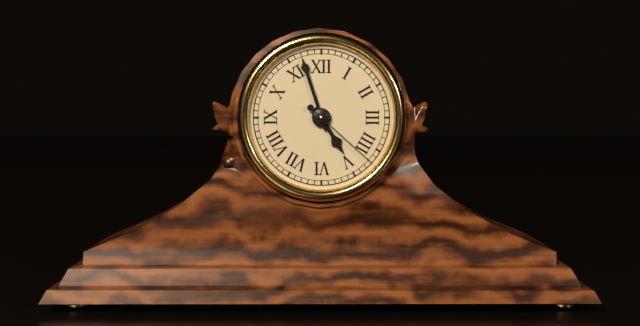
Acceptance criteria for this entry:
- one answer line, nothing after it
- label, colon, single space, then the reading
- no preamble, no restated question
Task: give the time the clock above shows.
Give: 4:57:22
